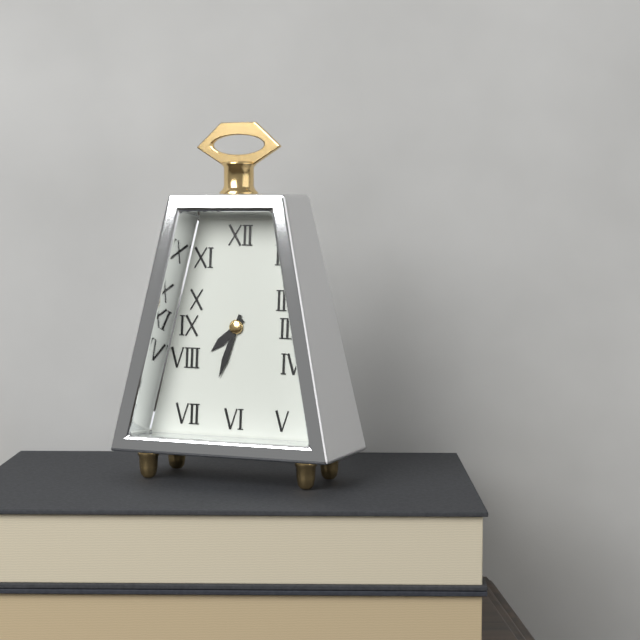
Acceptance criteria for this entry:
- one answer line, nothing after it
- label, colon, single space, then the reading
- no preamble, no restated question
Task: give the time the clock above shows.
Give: 7:33
